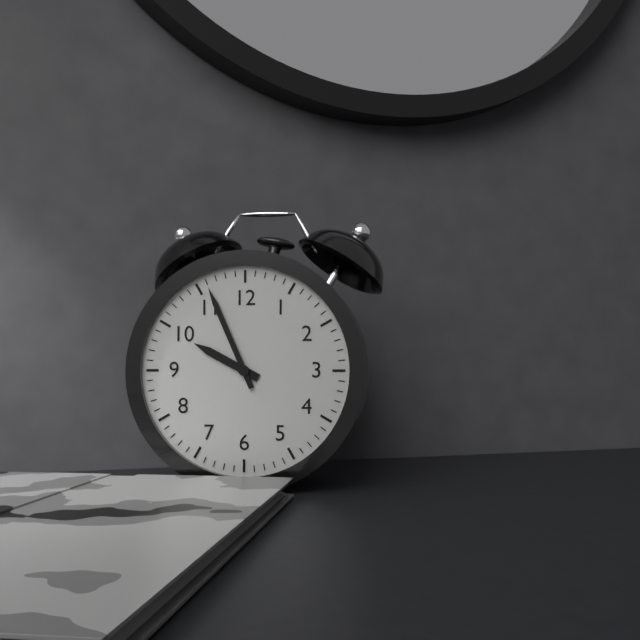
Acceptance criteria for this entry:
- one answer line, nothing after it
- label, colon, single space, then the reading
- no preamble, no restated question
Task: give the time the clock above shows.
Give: 9:56
